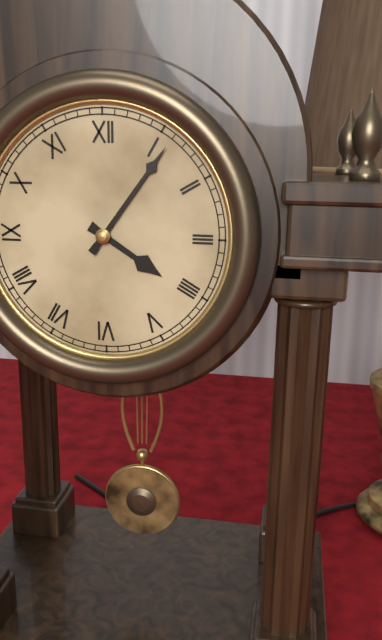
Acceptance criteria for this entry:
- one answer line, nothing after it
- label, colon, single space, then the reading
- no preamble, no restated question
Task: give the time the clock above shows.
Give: 4:06
